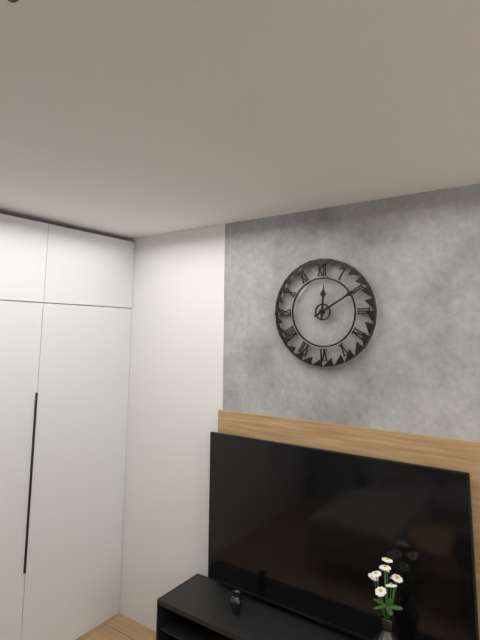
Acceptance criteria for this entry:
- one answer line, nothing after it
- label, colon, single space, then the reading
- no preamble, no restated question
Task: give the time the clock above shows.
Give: 12:10
